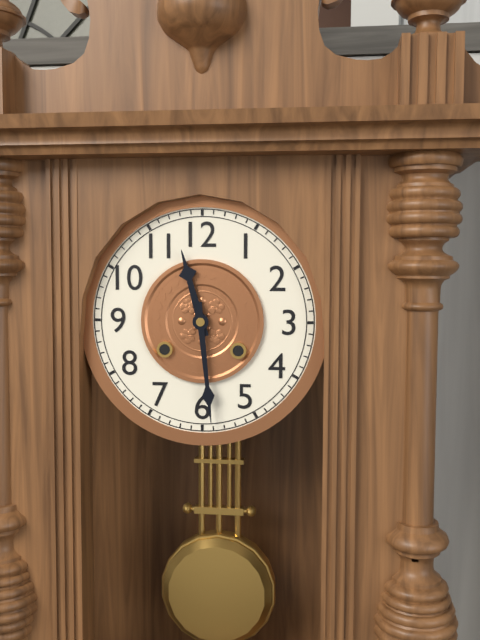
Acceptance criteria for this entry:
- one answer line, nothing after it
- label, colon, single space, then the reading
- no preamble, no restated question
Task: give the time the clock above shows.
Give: 11:29
